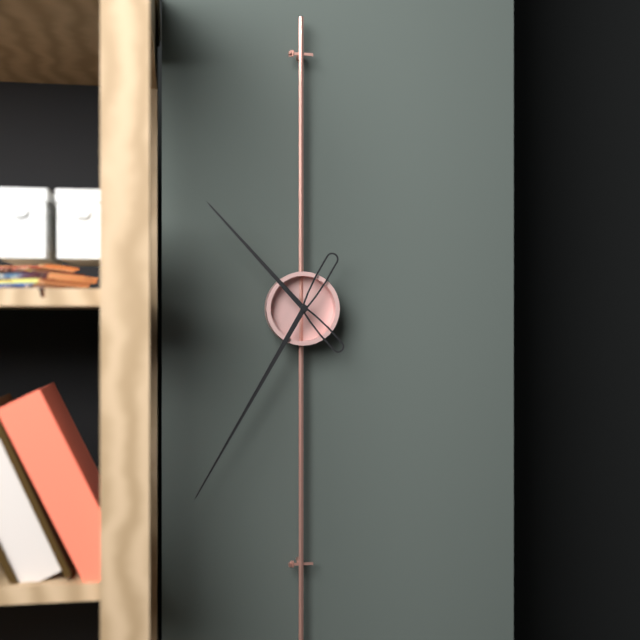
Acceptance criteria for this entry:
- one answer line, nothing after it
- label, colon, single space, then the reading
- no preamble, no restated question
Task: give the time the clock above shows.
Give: 10:35
